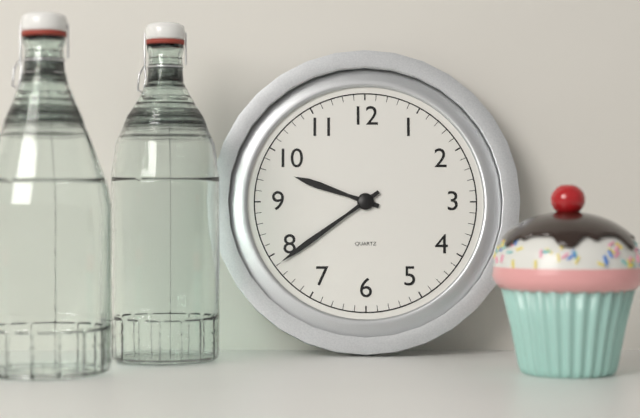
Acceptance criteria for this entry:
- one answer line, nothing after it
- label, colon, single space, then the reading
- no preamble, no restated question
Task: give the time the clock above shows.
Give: 9:39
